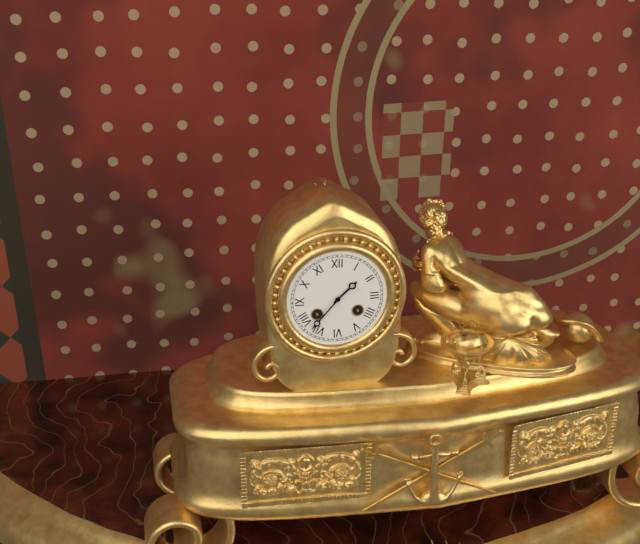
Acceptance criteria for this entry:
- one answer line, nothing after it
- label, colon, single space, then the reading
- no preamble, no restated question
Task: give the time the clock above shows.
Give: 1:37
